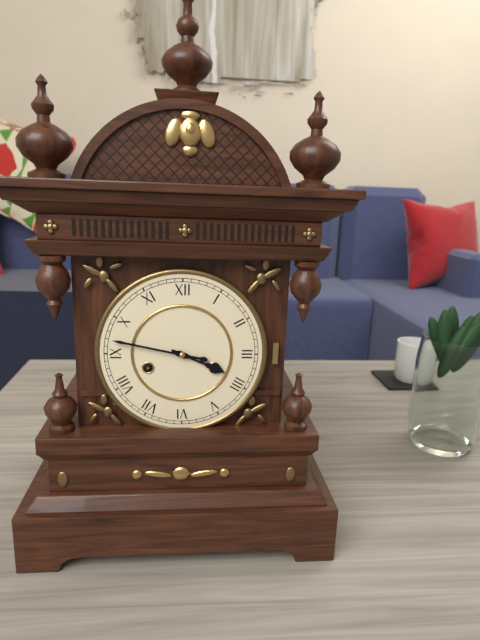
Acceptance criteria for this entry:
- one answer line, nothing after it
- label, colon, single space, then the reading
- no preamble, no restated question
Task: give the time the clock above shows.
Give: 3:47
